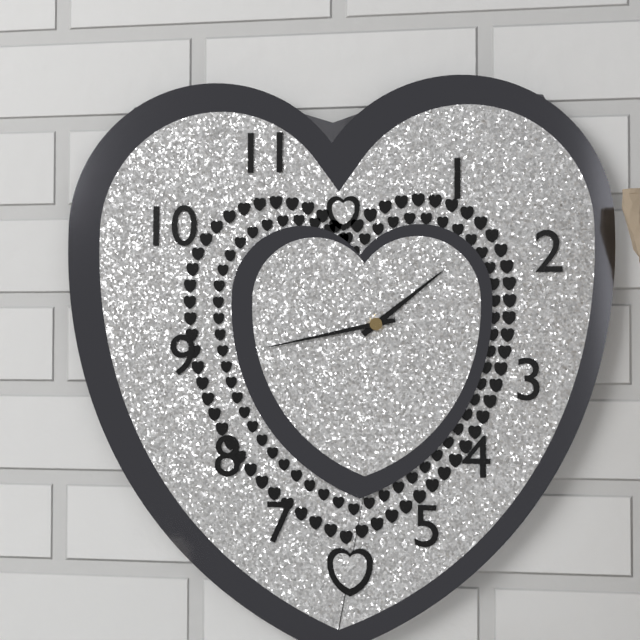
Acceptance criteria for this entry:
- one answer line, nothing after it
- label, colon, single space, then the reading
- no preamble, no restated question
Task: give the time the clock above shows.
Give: 1:43
